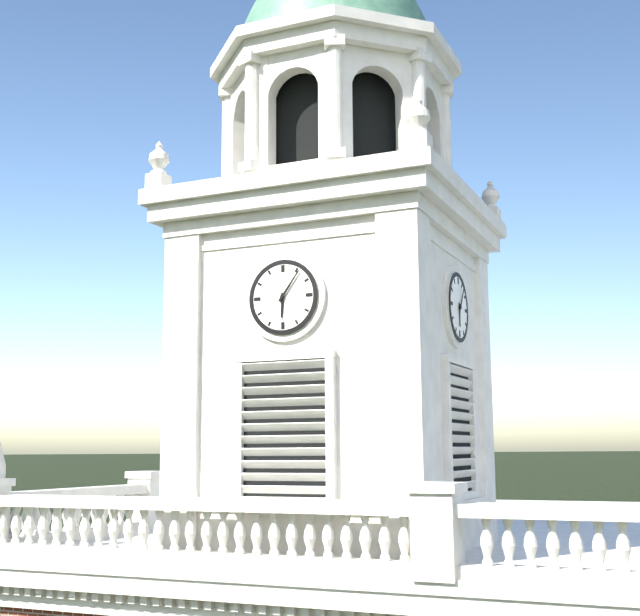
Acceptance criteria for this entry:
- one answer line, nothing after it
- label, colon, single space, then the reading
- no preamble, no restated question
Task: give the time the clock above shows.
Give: 6:06
